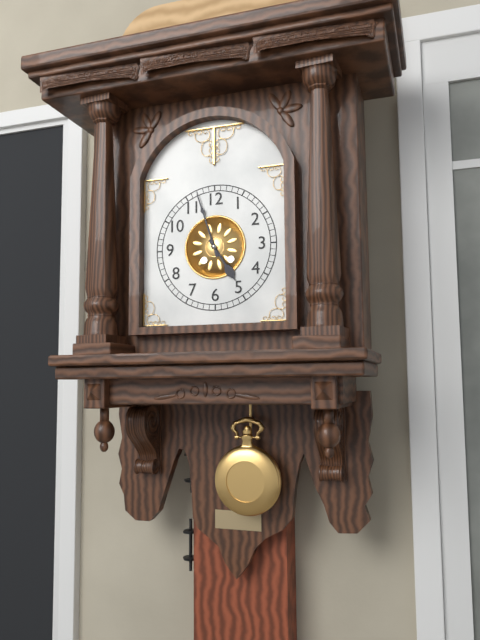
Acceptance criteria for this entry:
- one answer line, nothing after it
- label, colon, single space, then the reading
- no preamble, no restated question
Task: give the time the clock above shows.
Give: 4:57
